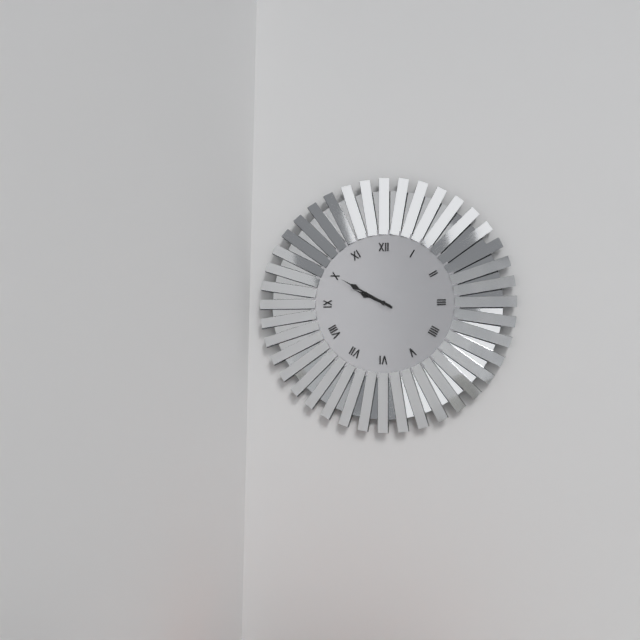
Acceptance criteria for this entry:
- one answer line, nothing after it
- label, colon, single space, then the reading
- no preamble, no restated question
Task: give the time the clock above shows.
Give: 9:50
